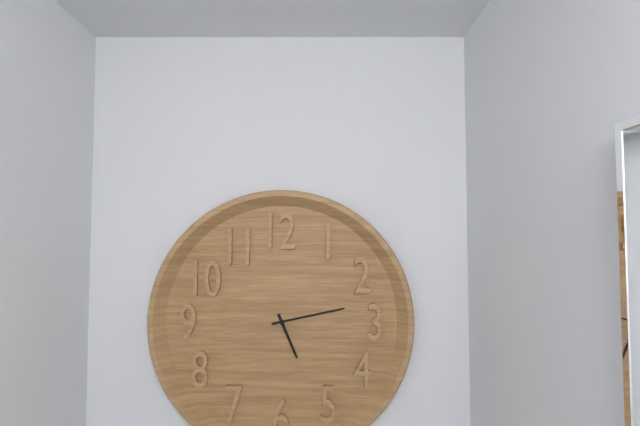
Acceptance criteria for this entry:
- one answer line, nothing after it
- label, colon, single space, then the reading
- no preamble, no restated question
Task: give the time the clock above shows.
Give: 5:13
